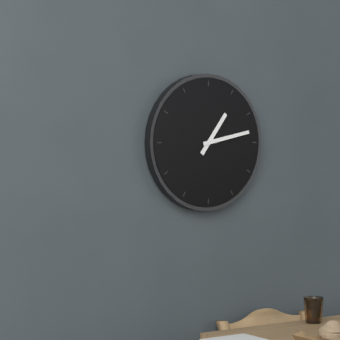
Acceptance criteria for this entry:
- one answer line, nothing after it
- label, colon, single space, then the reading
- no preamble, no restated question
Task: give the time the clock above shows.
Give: 1:13
